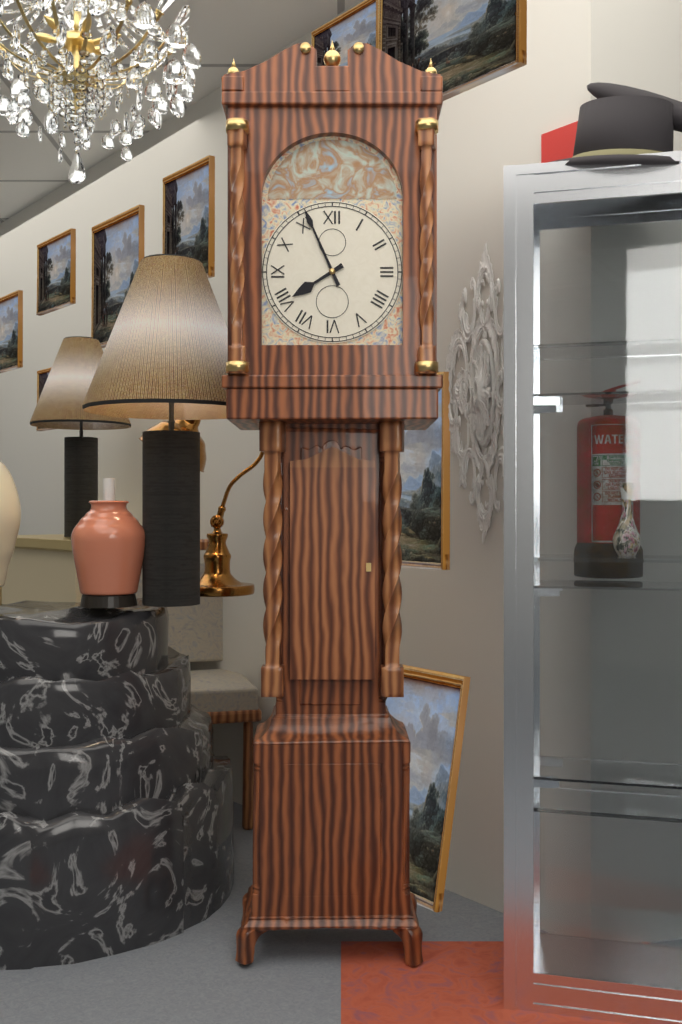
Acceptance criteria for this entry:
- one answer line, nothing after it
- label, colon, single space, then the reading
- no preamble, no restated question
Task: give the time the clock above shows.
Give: 7:56
